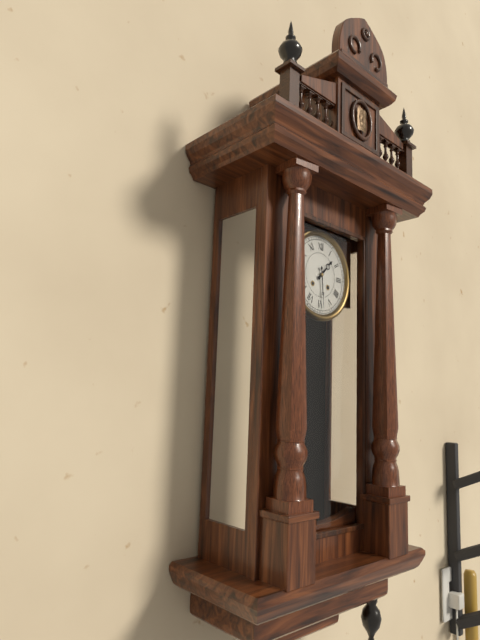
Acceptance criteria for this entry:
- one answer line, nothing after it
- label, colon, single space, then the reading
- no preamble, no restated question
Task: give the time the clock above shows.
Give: 1:29
